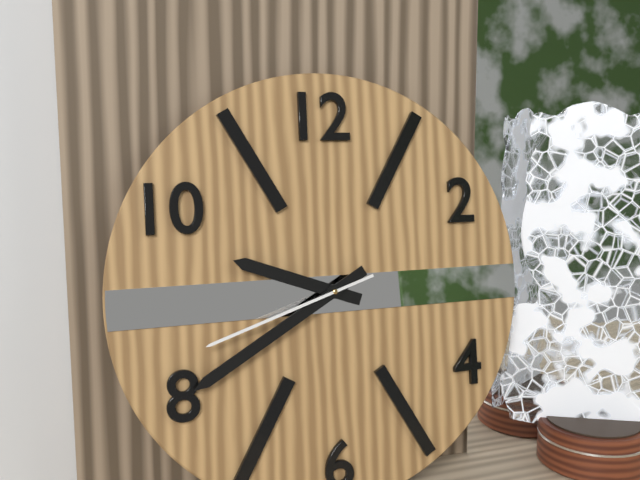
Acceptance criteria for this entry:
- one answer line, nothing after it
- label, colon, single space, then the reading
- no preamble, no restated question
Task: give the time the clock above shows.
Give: 9:40:42
